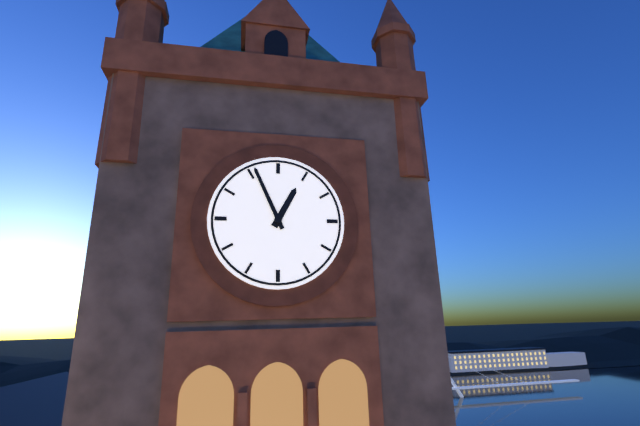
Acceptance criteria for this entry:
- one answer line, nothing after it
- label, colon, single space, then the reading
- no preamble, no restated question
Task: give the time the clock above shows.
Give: 12:56
